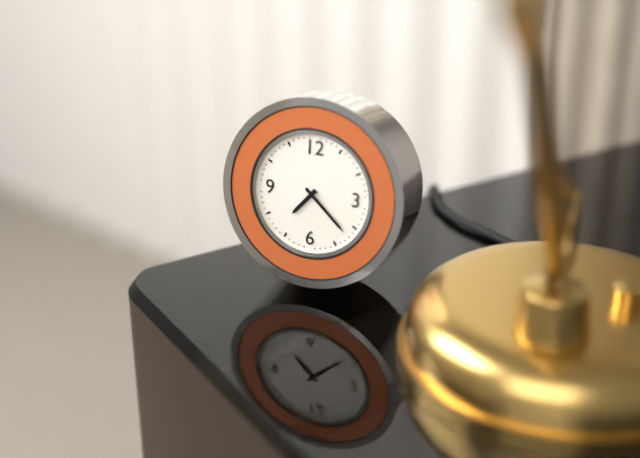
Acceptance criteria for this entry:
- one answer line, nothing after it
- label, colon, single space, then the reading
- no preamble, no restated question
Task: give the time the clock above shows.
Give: 7:22
